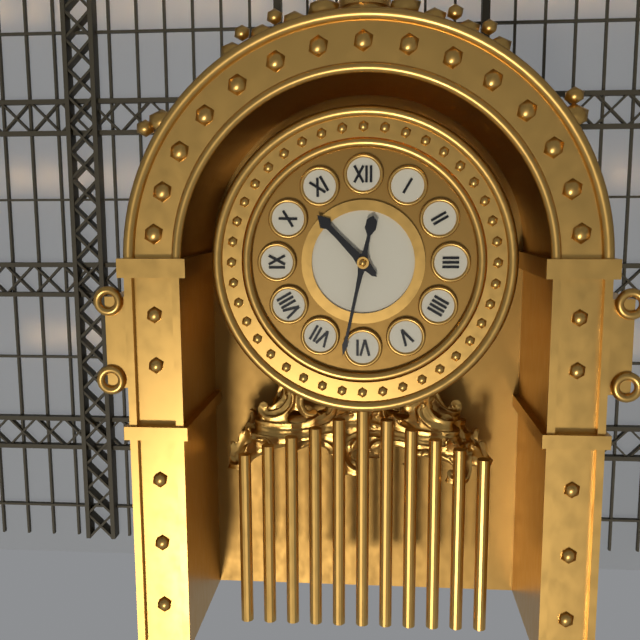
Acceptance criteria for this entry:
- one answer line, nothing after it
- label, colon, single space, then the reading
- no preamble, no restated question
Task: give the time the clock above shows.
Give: 10:32
